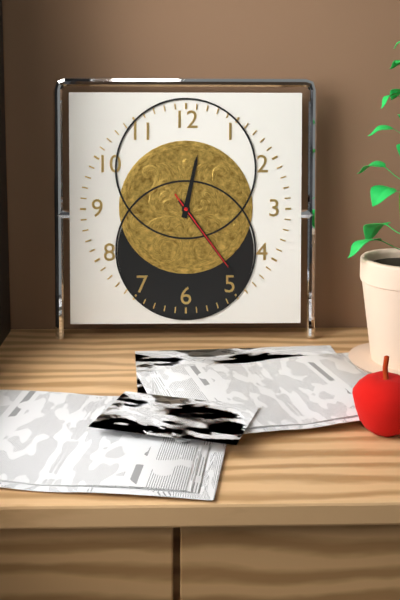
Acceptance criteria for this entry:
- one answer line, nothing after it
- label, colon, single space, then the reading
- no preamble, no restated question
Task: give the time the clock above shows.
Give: 12:24:24
